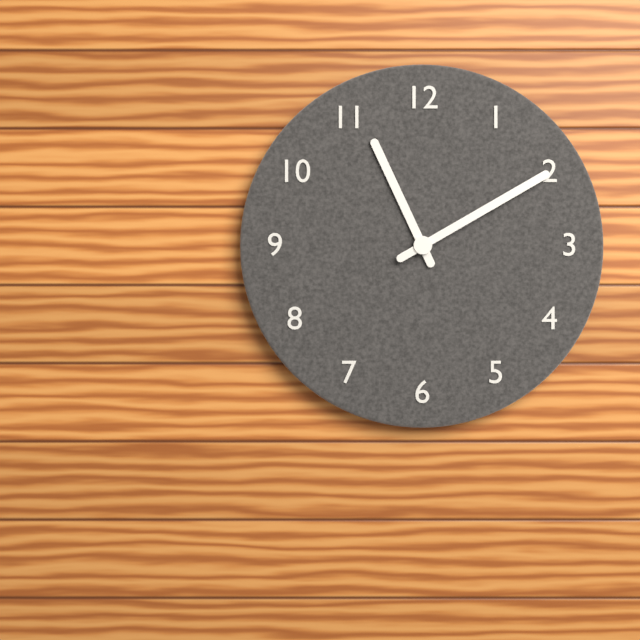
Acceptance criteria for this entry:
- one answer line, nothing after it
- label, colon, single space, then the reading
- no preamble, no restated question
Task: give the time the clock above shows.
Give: 11:10
